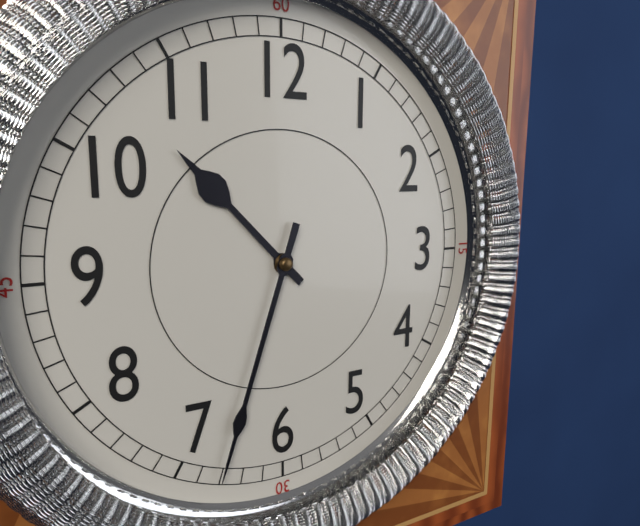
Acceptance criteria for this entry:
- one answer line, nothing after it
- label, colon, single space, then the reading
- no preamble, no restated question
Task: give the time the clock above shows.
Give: 10:33
